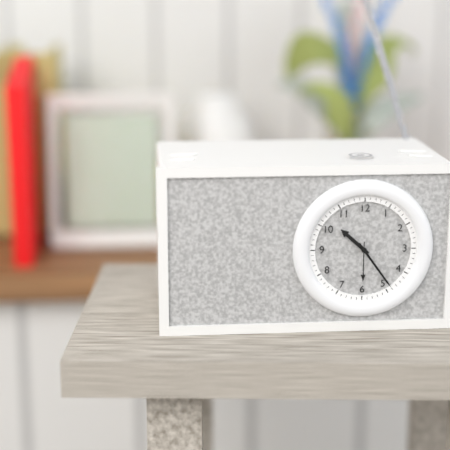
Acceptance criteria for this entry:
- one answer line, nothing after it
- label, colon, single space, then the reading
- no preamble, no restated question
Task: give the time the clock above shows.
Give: 10:24
